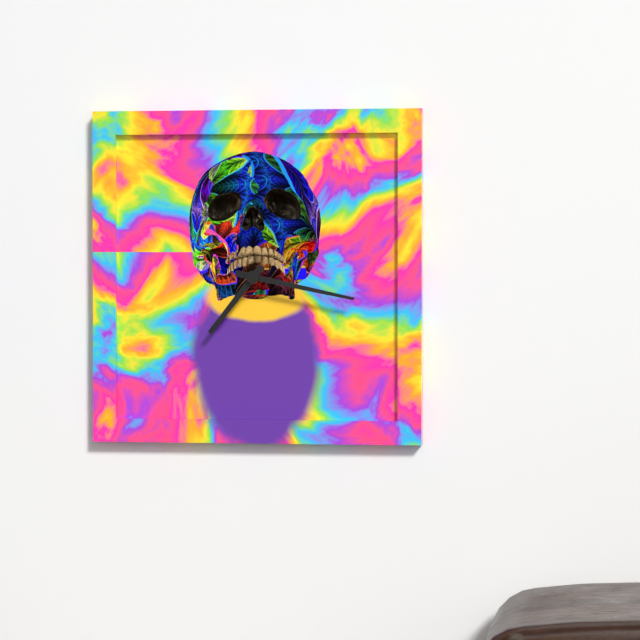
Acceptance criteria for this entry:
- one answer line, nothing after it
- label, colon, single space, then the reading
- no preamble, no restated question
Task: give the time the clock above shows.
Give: 7:17
